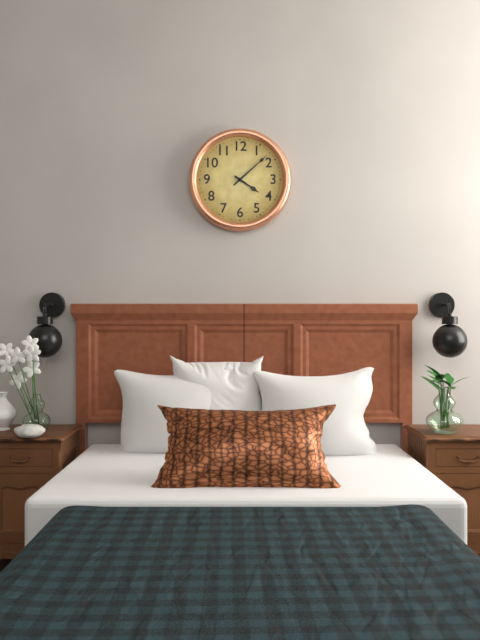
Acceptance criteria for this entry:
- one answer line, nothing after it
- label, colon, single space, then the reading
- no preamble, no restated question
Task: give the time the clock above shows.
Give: 4:08
